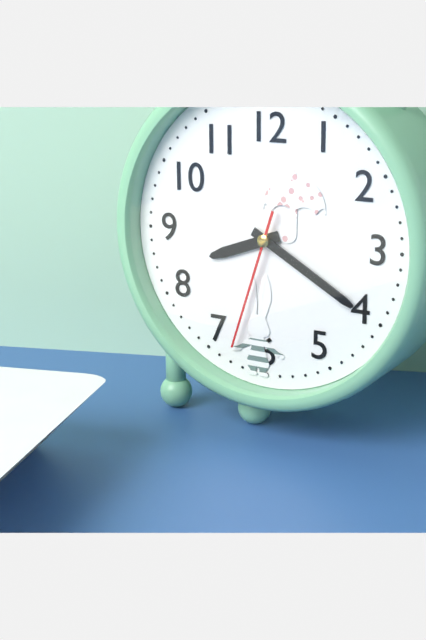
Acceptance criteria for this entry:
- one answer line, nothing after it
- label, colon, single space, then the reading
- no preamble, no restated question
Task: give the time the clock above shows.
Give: 8:20:33
